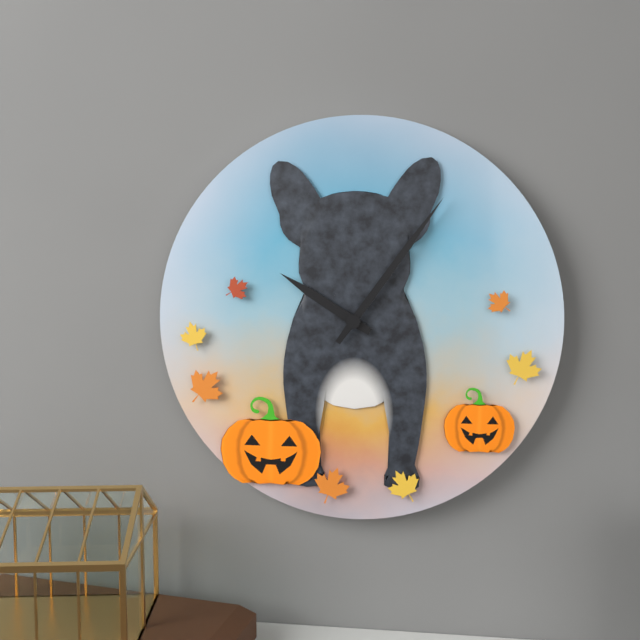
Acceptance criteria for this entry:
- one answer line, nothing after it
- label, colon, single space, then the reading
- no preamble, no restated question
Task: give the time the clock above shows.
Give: 10:06
